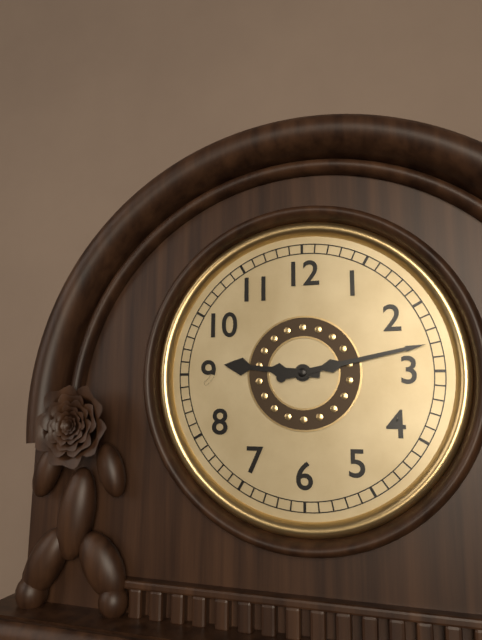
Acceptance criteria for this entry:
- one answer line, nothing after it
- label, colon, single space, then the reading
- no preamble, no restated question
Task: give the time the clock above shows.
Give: 9:13
